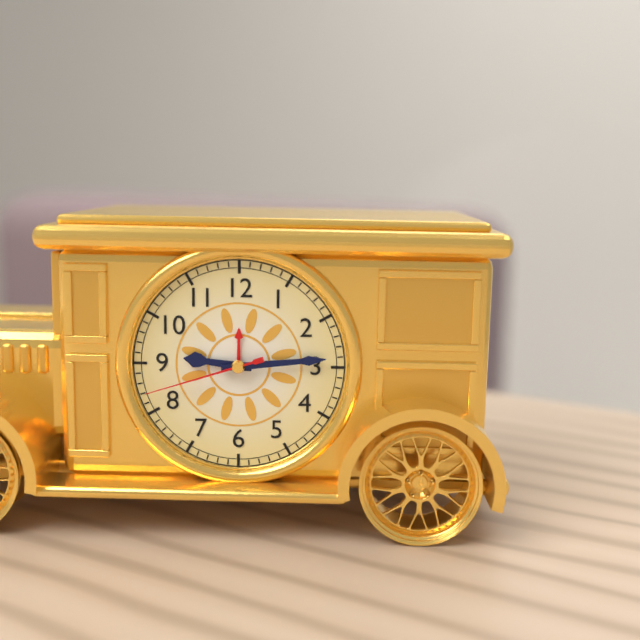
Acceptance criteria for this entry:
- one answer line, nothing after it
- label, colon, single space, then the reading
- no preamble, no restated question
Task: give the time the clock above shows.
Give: 9:14:42
